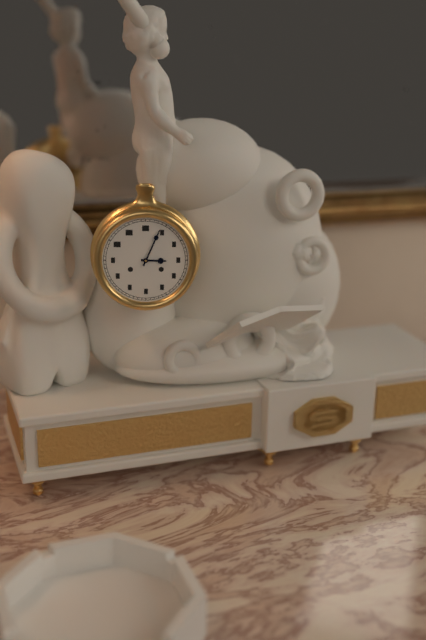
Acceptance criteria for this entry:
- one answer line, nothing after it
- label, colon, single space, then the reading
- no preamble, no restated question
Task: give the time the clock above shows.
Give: 3:04
